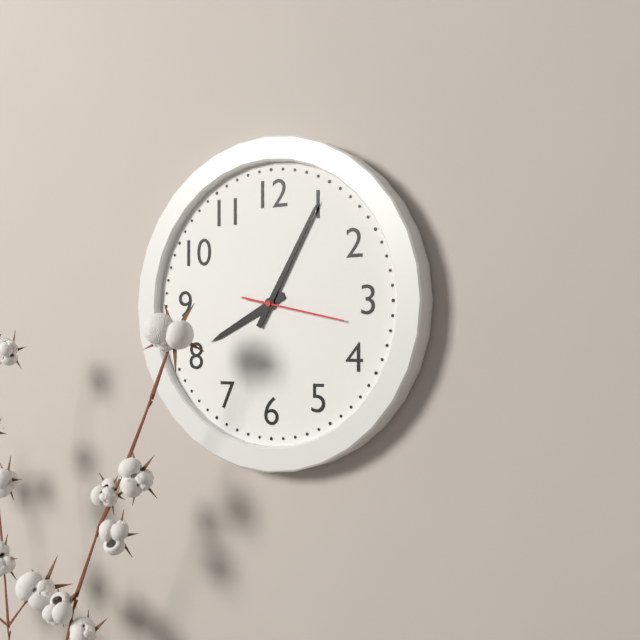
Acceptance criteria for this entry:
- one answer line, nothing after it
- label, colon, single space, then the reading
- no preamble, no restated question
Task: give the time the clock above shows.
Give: 8:05:17
